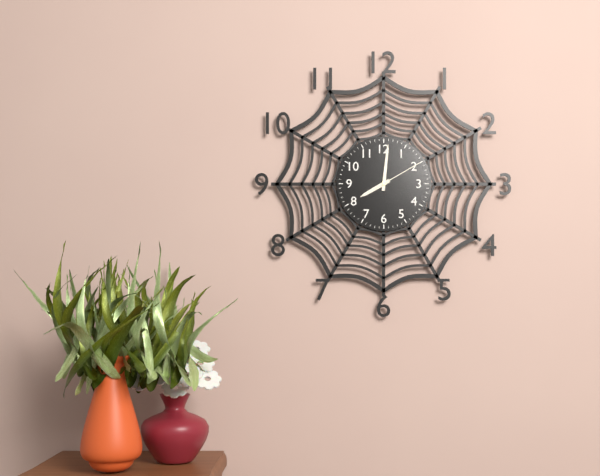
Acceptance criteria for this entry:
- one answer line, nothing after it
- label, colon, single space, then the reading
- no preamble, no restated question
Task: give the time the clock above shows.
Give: 8:01:10
